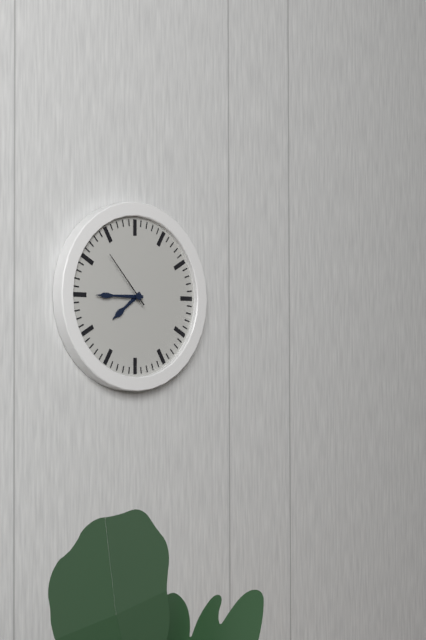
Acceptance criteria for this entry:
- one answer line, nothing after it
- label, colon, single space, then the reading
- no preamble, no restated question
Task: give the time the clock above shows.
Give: 7:45:53
